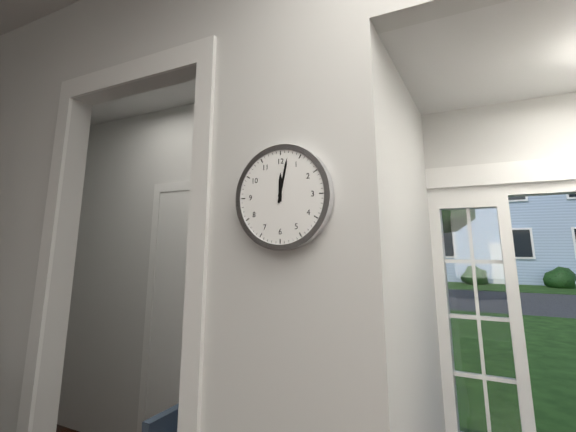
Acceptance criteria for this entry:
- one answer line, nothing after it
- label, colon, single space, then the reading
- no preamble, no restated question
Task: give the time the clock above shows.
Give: 12:02
